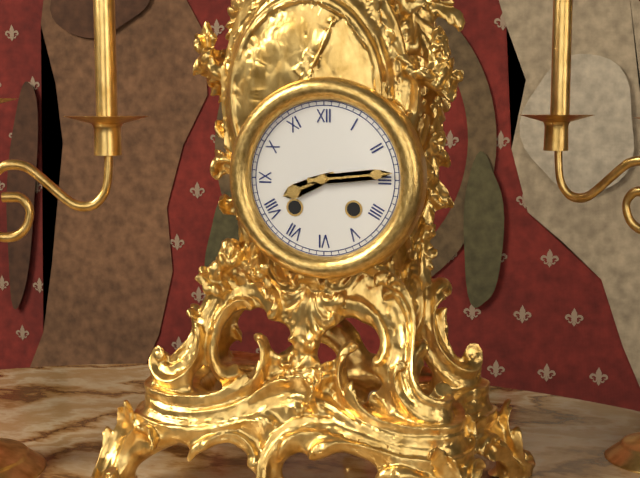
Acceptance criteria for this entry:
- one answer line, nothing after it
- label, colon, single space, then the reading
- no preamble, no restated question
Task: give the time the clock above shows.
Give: 8:14
